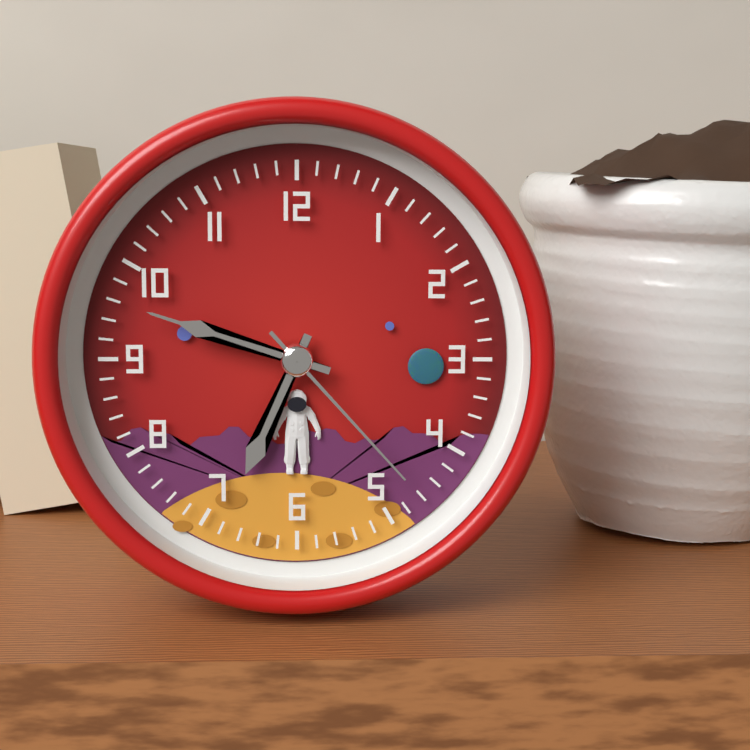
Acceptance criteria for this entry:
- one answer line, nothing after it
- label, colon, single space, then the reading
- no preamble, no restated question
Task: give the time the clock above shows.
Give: 6:48:23
